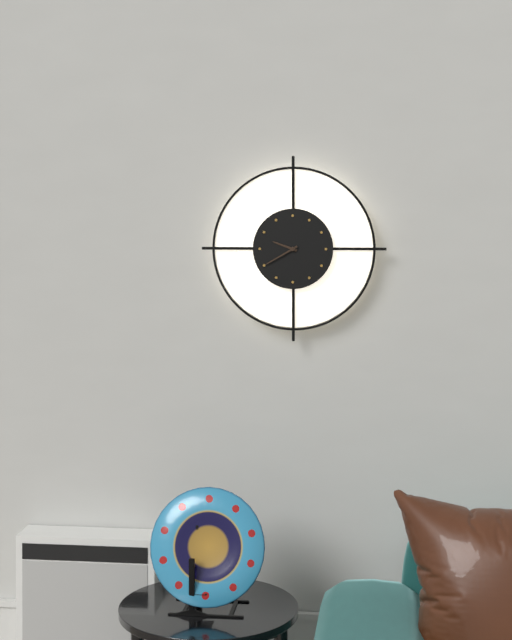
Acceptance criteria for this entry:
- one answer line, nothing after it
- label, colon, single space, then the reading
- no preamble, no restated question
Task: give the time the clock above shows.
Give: 9:40
